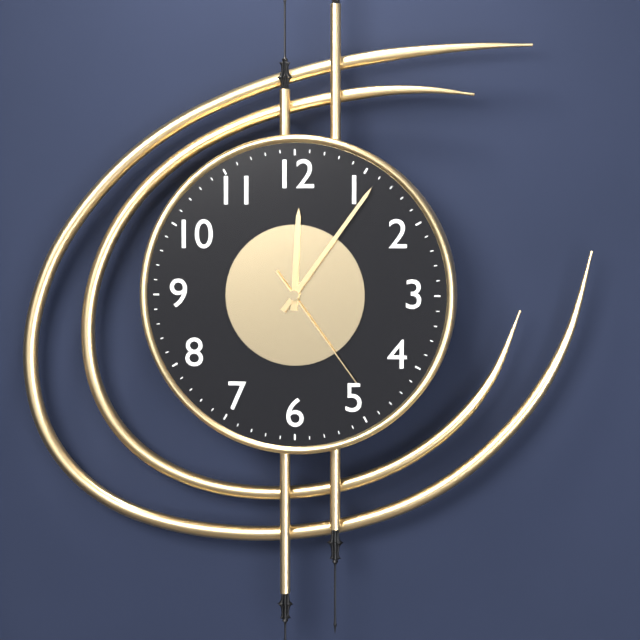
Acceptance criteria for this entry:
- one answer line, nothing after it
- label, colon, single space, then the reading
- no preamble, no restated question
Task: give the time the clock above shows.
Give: 12:06:24
